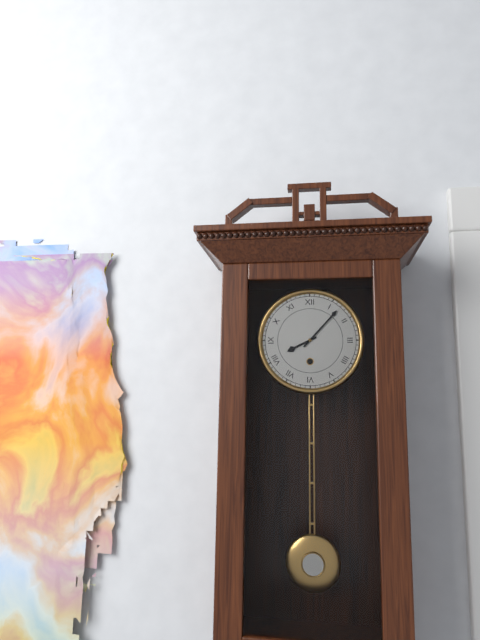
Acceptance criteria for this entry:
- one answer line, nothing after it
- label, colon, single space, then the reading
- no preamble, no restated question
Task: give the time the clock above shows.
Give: 8:07
